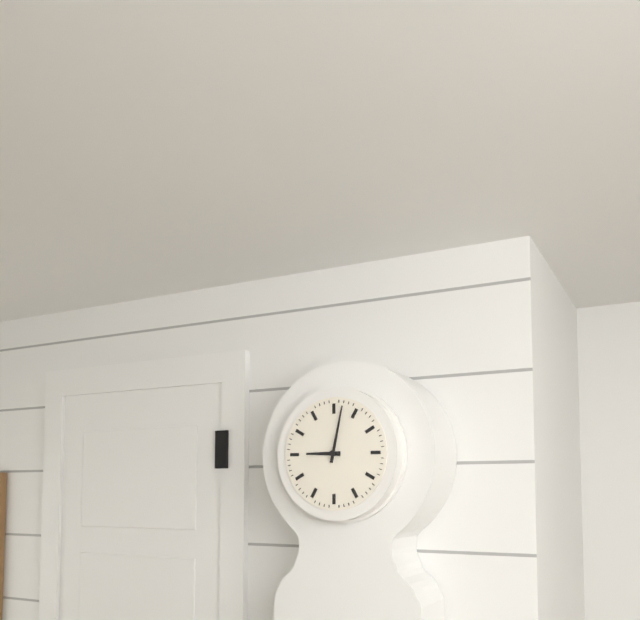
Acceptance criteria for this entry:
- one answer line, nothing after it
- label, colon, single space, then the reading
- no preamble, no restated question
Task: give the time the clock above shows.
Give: 9:02
